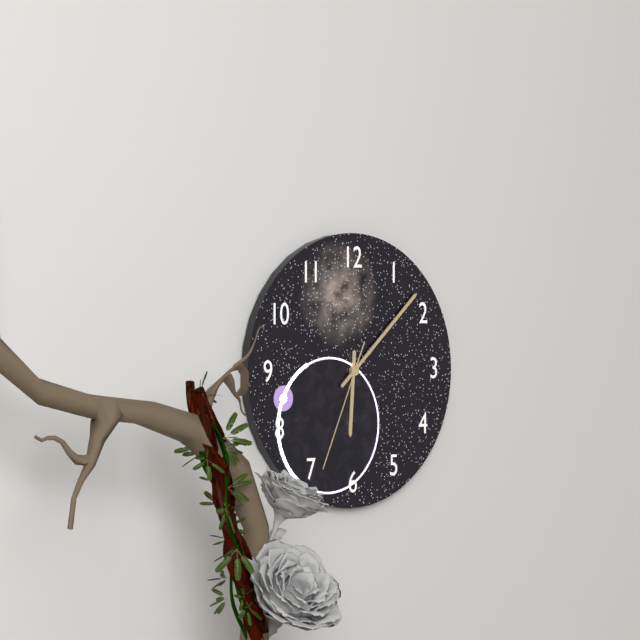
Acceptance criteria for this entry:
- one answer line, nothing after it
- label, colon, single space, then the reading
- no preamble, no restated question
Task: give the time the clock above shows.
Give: 6:08:34
